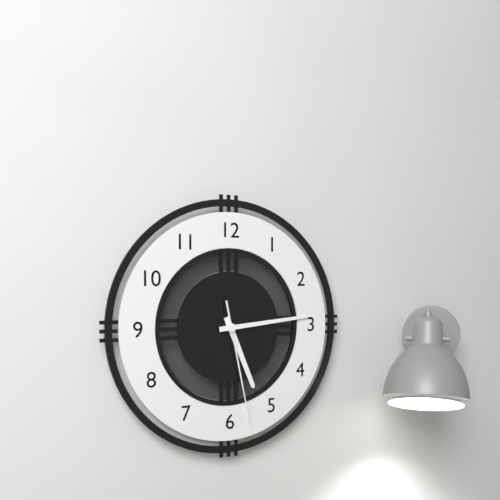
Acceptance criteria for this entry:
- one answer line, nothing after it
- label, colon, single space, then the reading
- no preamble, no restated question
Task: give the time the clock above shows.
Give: 5:14:28
